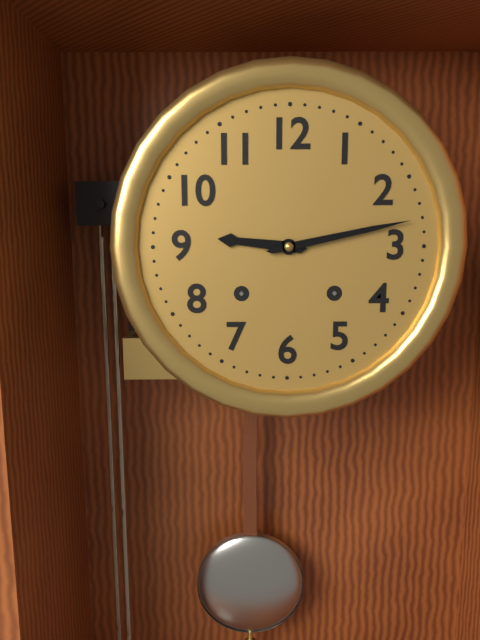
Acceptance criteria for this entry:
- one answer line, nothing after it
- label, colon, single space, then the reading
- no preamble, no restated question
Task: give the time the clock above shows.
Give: 9:13
